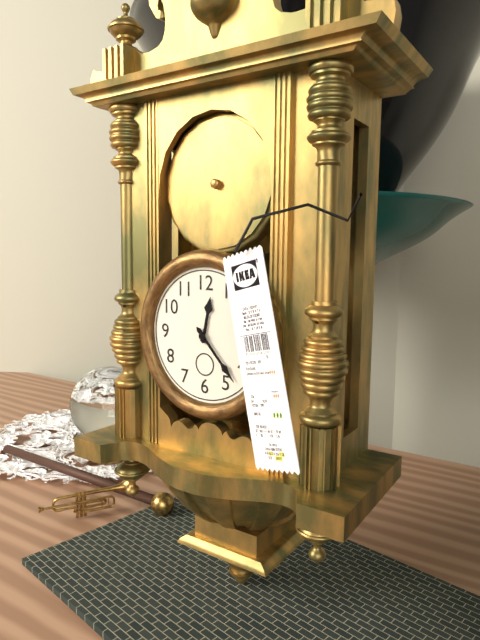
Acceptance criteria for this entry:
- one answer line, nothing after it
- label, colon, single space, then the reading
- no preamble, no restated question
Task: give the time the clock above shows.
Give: 12:23
